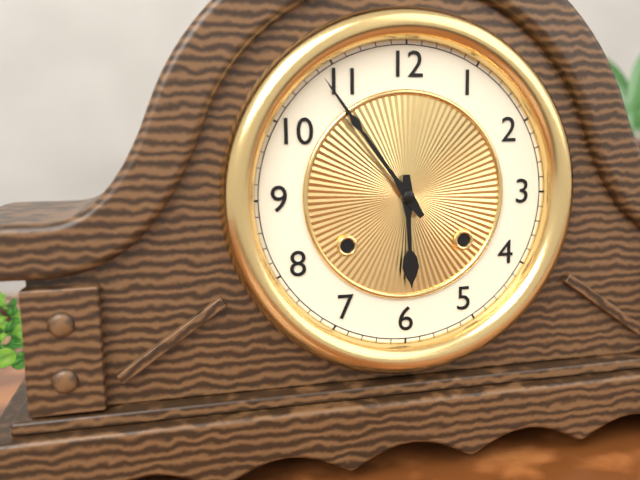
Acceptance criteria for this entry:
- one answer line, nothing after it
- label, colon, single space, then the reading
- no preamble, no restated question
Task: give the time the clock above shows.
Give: 5:54
